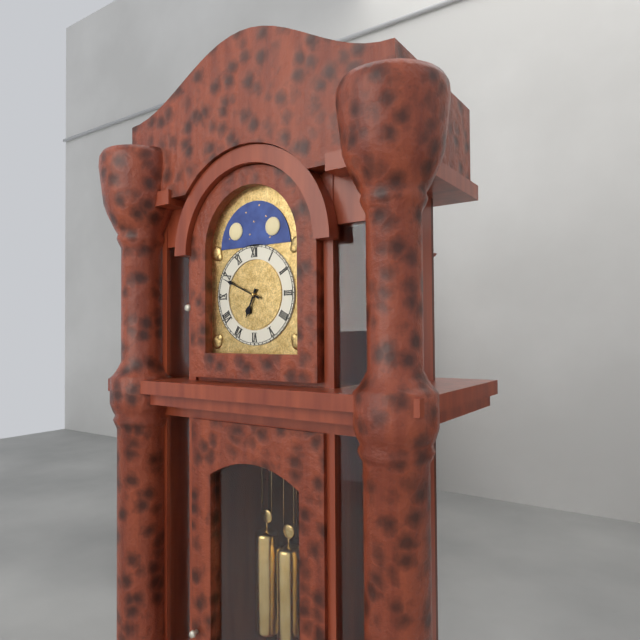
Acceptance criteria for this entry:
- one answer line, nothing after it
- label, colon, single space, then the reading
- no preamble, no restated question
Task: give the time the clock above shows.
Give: 6:49
